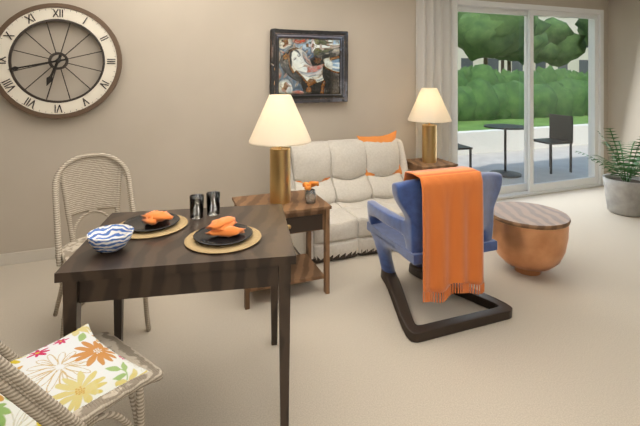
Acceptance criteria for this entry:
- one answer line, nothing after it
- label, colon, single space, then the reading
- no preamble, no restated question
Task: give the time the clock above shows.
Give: 6:43
